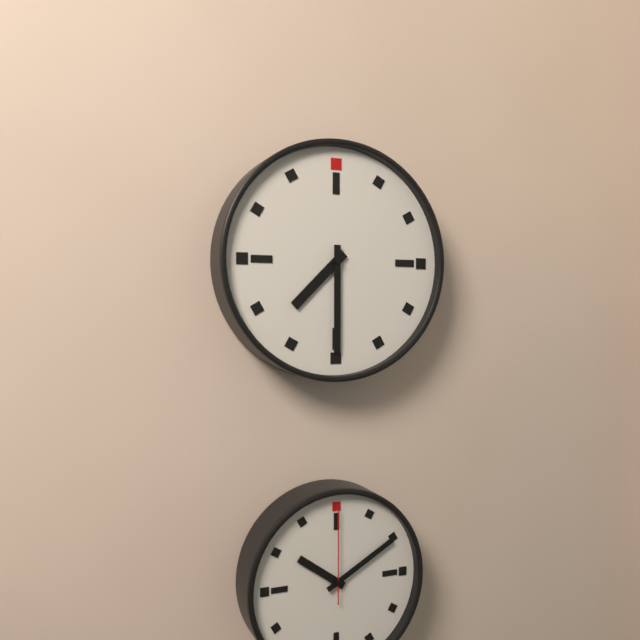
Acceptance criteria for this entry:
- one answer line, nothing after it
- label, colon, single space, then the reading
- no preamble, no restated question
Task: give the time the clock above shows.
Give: 7:30
